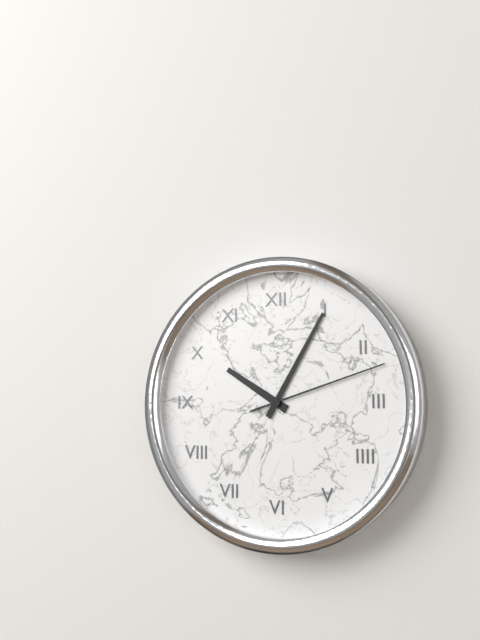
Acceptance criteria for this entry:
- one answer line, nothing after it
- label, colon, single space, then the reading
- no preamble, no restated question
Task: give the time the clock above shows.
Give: 10:05:12
